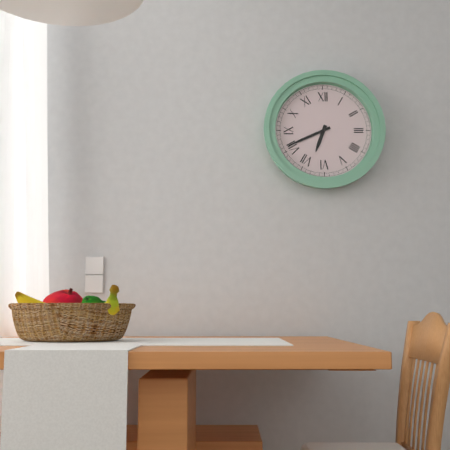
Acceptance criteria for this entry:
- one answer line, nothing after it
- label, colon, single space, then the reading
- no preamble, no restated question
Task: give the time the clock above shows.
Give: 6:41
